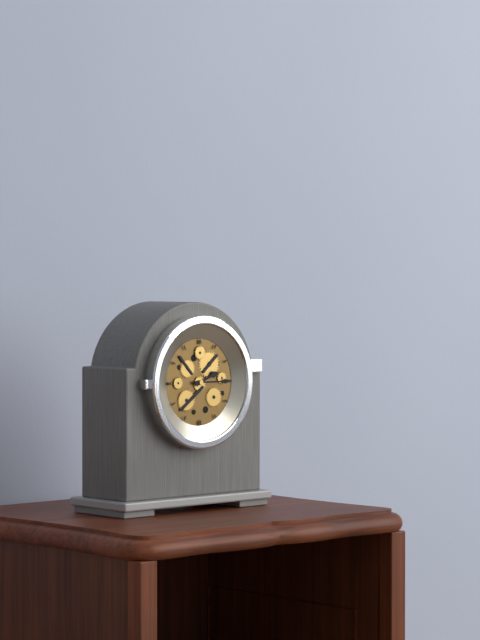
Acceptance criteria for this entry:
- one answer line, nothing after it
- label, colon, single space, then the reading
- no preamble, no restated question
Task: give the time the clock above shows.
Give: 2:15
